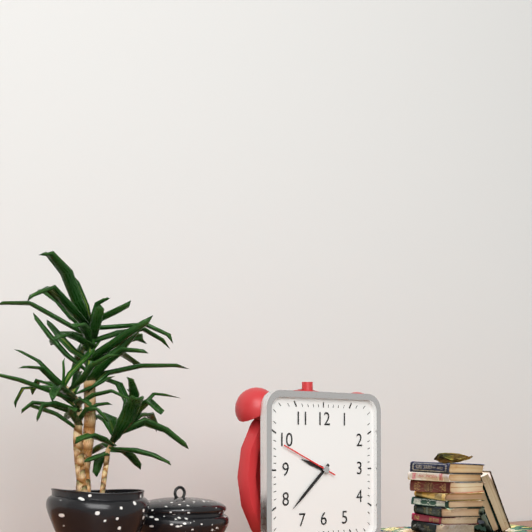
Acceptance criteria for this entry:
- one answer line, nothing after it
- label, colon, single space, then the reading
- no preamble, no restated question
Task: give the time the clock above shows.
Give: 9:38:49
